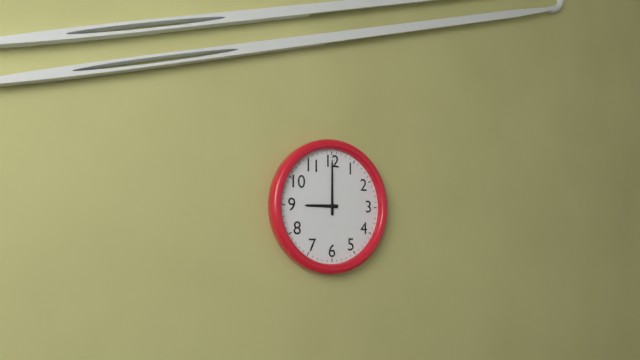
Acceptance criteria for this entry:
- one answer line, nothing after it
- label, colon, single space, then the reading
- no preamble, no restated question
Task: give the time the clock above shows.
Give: 9:00
